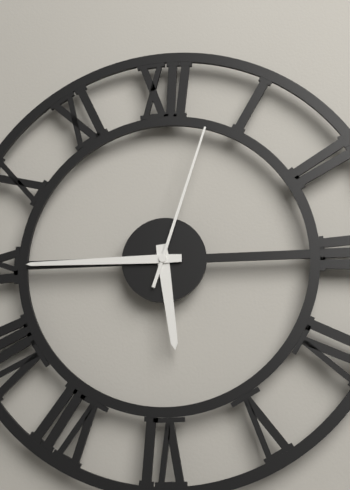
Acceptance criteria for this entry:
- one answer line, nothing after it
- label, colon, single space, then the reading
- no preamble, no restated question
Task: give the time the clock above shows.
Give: 5:45:03
